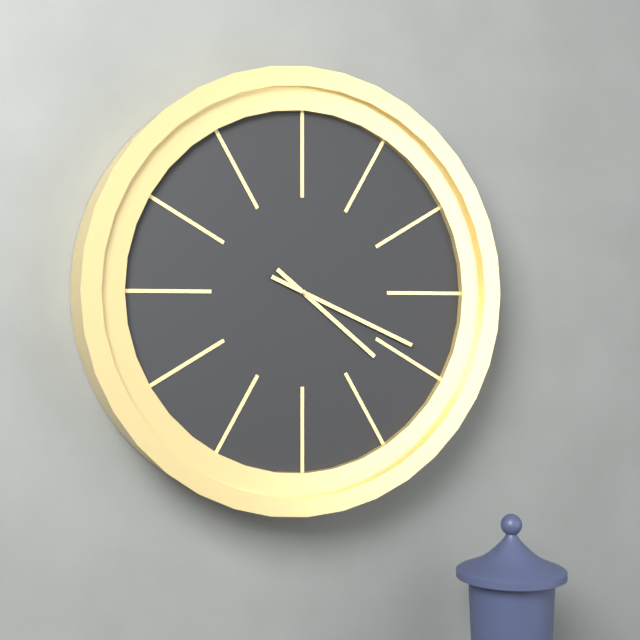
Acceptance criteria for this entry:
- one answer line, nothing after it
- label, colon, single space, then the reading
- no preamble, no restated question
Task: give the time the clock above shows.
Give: 4:19
